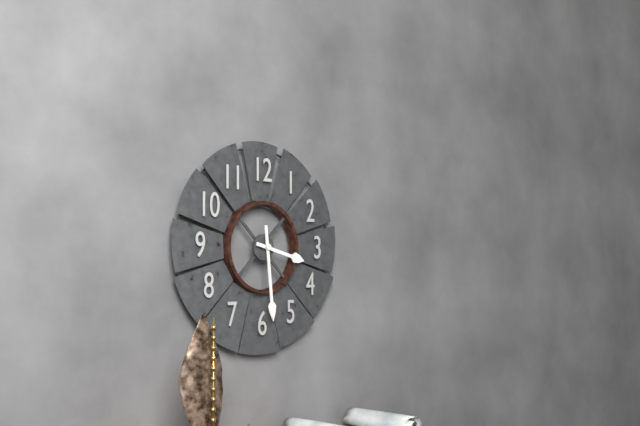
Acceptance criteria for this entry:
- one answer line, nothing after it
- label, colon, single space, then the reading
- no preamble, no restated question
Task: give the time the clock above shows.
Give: 3:29
